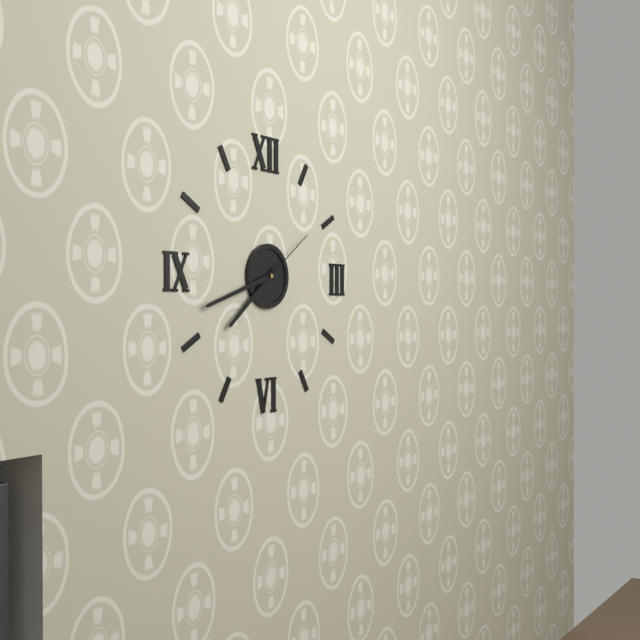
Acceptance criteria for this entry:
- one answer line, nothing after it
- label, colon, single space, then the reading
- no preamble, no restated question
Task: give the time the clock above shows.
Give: 7:42:09
